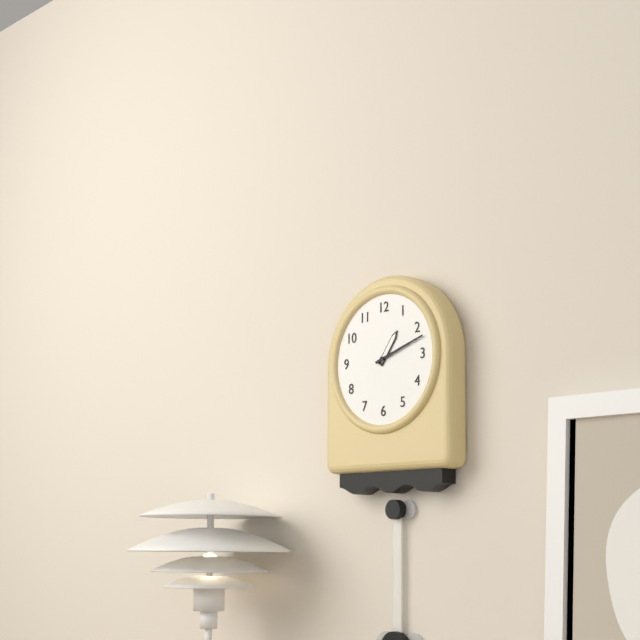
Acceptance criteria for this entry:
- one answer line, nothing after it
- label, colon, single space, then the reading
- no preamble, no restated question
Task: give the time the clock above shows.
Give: 1:12
